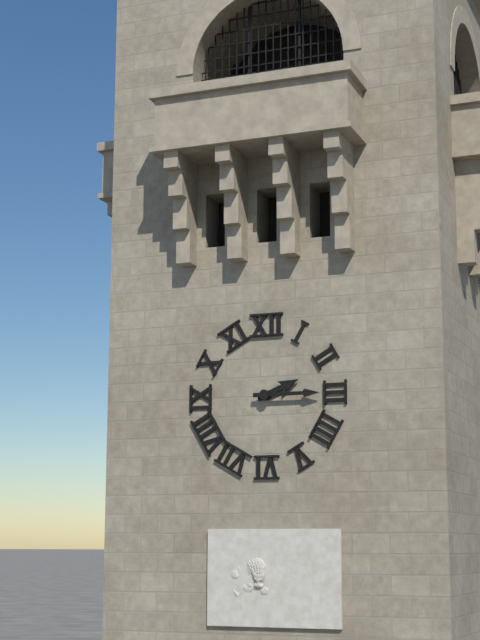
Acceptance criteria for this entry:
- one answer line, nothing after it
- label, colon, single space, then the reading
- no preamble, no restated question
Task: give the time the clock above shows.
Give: 2:15
